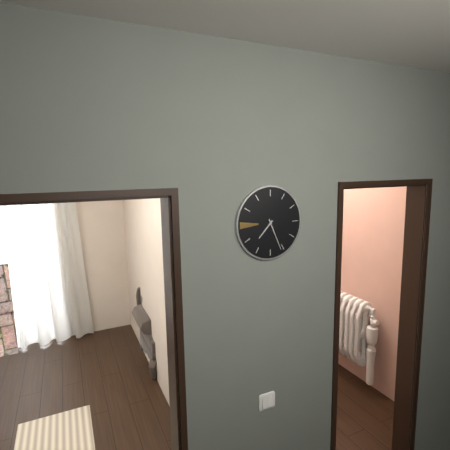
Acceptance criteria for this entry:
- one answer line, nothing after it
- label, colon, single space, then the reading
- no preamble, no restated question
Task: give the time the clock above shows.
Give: 7:26
